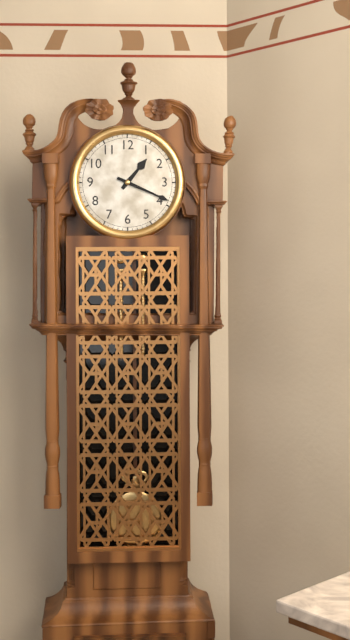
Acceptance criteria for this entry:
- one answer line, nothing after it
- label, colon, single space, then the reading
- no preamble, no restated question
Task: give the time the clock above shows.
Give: 1:19
